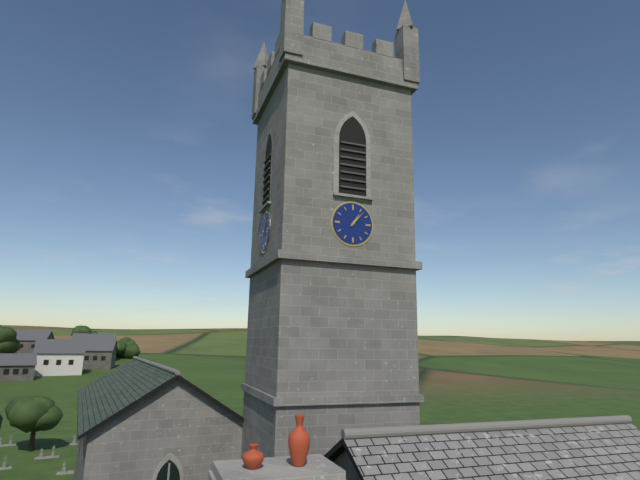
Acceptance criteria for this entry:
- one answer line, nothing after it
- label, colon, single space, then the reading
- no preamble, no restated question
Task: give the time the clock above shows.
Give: 1:07
